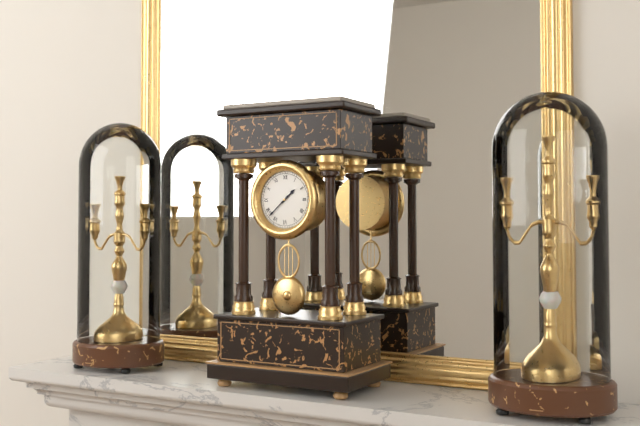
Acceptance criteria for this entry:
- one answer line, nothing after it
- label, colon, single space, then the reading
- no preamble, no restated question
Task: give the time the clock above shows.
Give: 1:38
